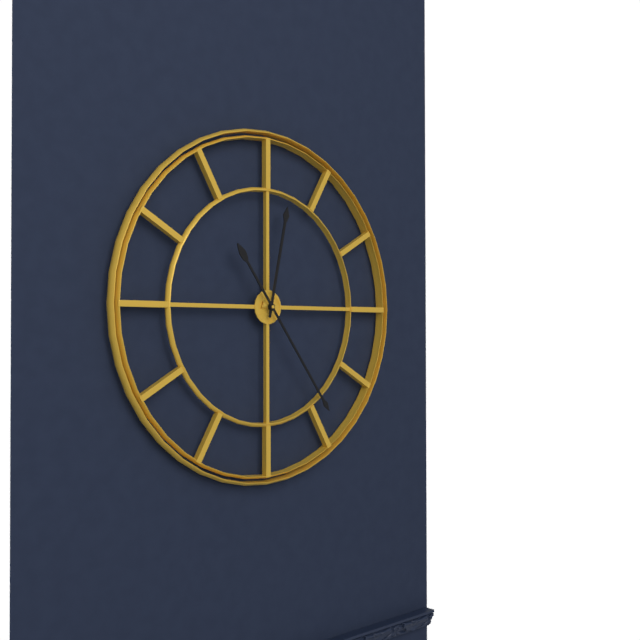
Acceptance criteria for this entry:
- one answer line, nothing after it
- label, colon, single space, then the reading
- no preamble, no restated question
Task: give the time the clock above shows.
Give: 12:24
